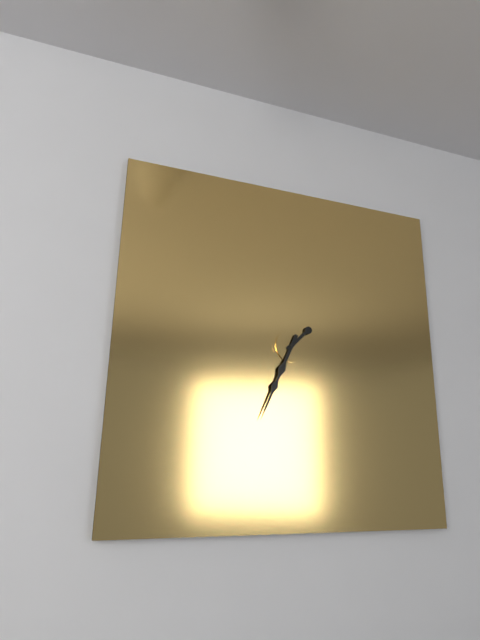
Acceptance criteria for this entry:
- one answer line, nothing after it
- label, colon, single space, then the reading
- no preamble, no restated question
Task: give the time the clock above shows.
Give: 1:34
